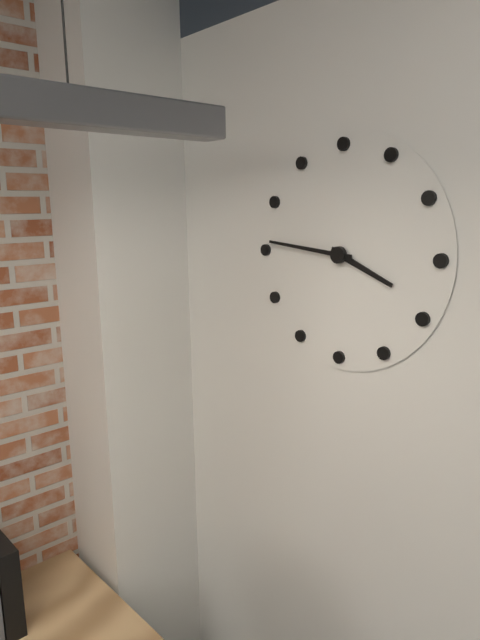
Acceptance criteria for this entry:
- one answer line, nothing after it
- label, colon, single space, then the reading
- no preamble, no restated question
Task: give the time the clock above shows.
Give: 3:46
